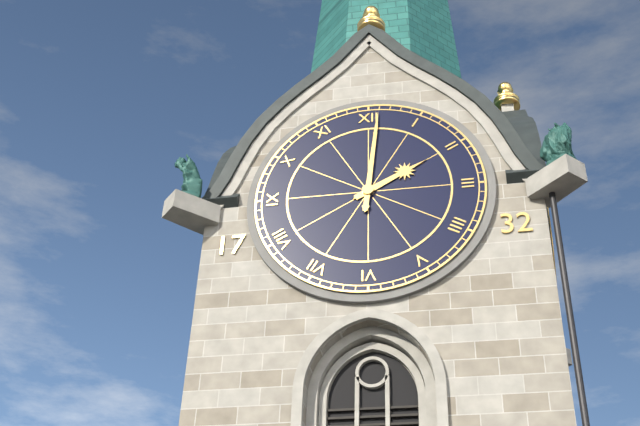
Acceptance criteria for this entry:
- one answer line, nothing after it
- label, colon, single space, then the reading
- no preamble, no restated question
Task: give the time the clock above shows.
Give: 2:01
